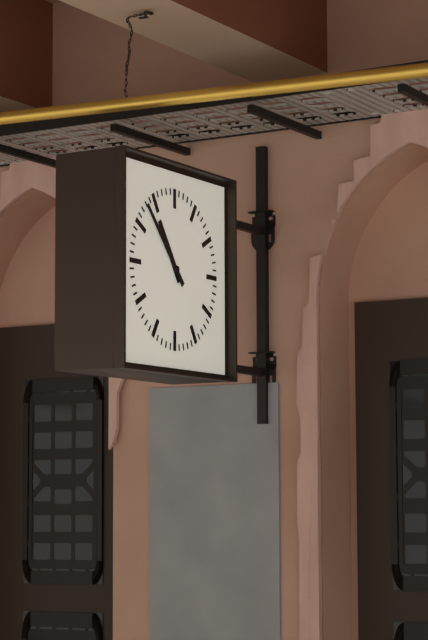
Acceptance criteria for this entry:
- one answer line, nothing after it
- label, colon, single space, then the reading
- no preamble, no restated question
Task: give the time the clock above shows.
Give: 10:53
